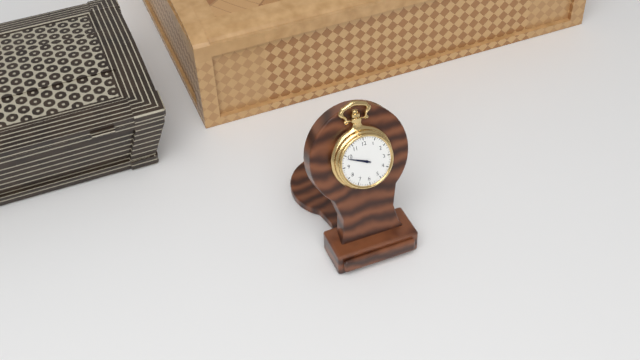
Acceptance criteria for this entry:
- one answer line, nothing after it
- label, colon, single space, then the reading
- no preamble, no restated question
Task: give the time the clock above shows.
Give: 9:49
